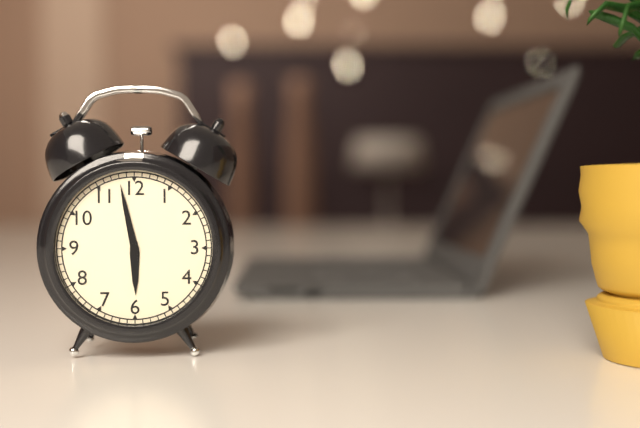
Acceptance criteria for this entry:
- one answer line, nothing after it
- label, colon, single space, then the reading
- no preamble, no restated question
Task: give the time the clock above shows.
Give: 5:58
